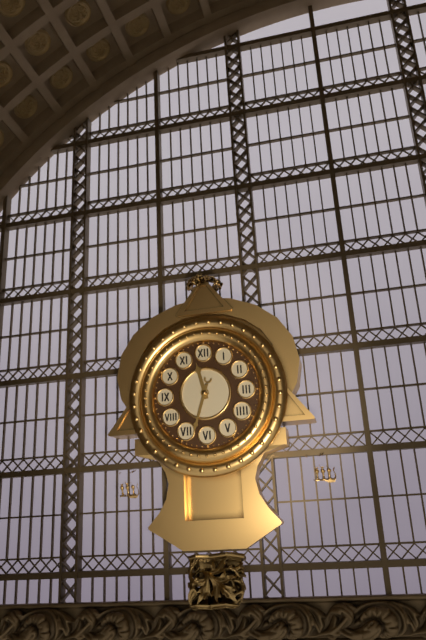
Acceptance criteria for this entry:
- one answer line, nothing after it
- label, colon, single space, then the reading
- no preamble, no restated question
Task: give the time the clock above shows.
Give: 11:33
